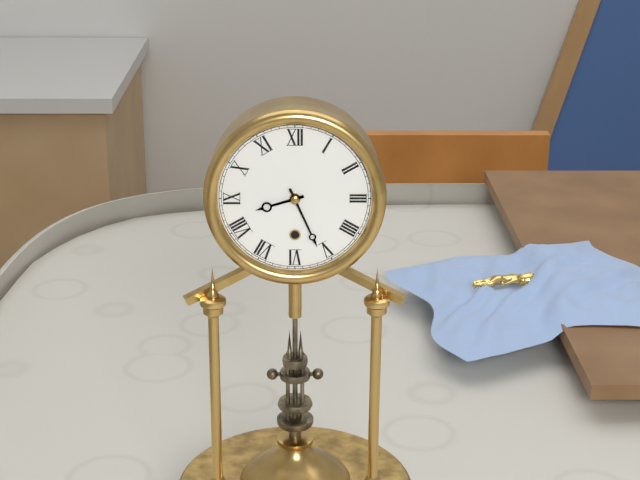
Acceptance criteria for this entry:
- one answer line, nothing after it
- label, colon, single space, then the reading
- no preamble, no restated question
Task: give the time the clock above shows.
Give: 8:26
